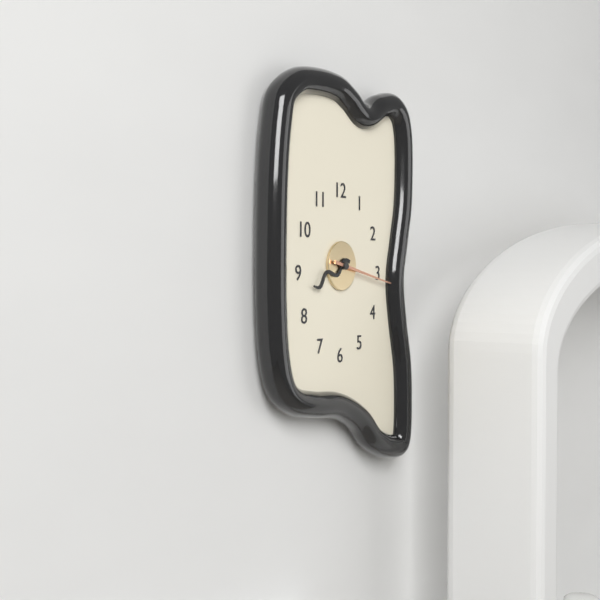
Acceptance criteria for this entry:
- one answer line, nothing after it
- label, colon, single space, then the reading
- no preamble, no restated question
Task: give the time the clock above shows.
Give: 8:17
